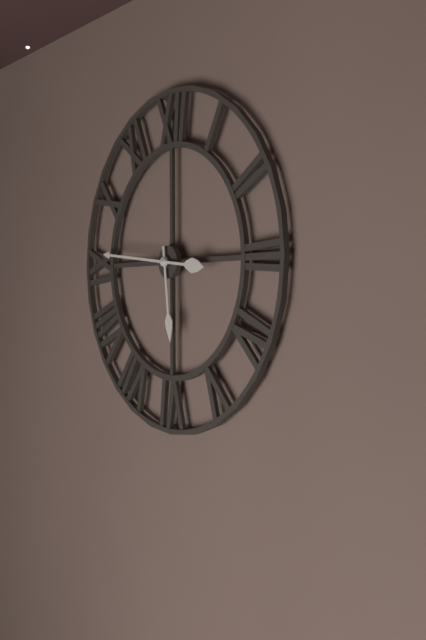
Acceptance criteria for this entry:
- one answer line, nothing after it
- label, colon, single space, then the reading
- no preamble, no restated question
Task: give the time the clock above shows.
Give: 5:46
